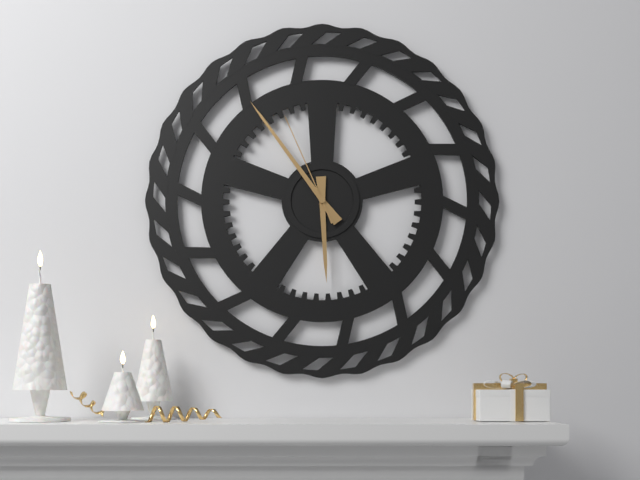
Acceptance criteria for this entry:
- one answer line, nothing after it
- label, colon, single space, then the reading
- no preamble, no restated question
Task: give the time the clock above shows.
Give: 5:54:56
